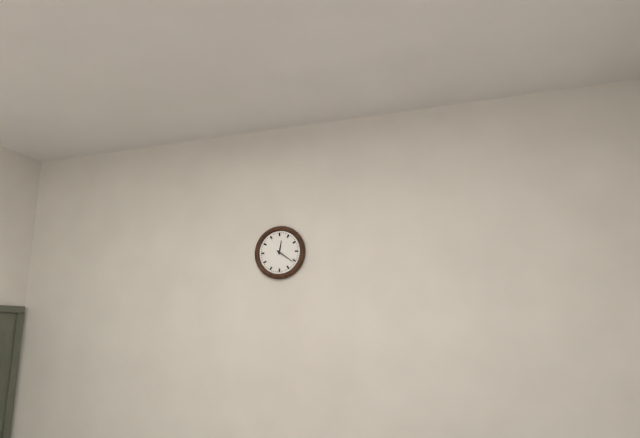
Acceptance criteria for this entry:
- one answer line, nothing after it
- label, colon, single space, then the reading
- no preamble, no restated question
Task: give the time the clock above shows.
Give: 12:21
